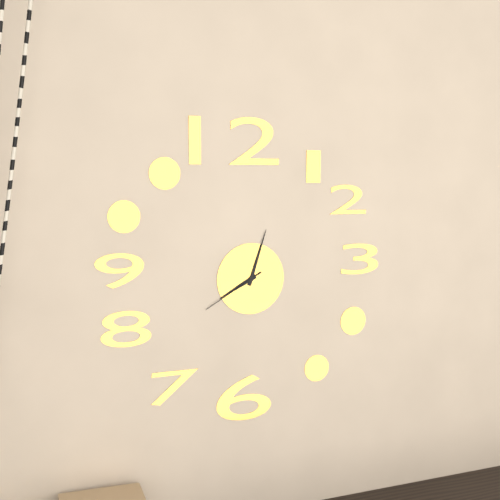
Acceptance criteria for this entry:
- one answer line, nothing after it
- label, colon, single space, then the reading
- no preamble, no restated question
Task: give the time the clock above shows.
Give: 8:03:40
